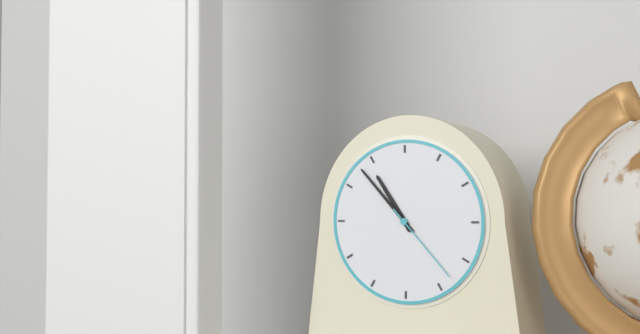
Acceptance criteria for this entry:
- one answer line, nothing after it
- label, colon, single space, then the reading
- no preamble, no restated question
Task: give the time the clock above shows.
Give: 10:53:23
